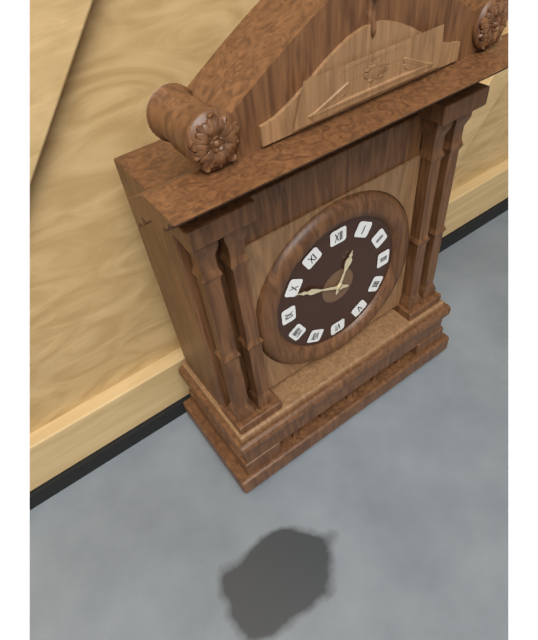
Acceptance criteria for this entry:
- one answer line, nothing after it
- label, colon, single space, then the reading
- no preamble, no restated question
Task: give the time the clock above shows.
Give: 12:49
